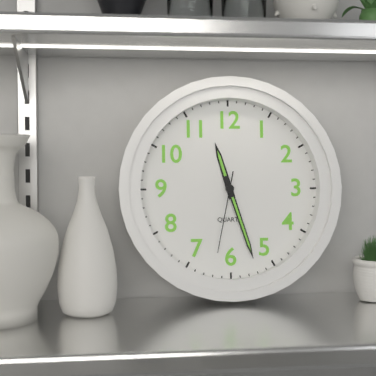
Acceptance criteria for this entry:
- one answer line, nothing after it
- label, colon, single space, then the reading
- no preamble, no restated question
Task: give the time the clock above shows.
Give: 11:27:32
